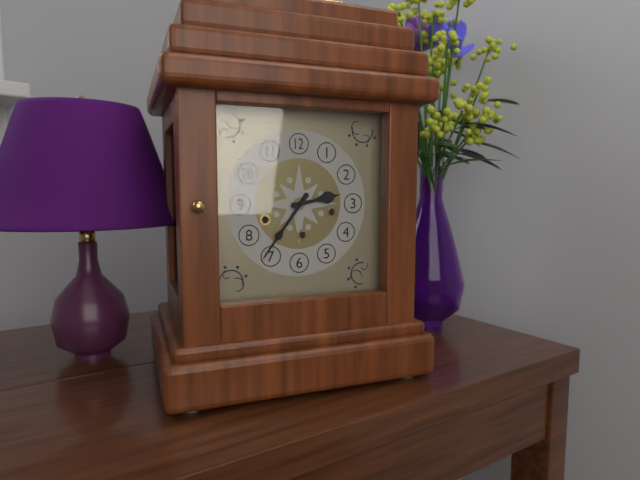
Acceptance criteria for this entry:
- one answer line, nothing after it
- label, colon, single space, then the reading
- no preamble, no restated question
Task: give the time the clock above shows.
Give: 2:36
